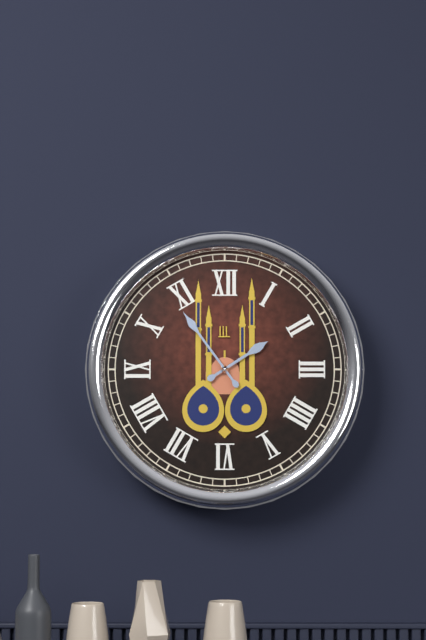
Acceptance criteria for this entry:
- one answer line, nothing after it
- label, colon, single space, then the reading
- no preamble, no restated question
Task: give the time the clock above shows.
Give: 1:54
